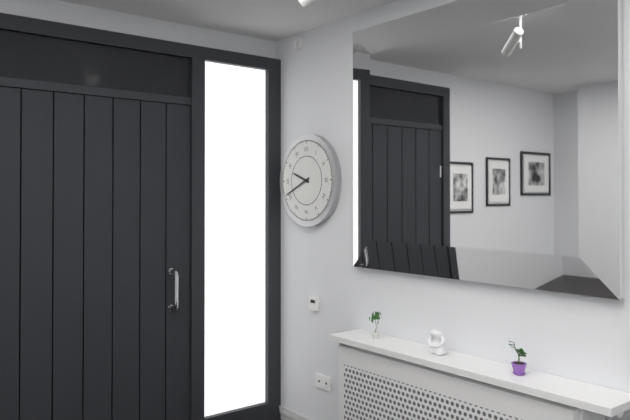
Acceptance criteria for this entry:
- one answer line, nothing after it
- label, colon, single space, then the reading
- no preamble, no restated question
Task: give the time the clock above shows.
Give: 9:41
